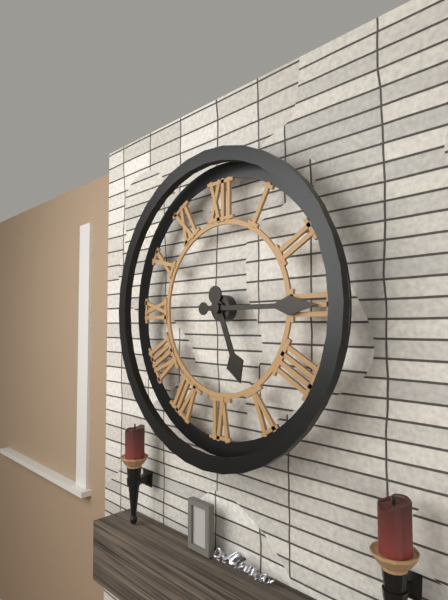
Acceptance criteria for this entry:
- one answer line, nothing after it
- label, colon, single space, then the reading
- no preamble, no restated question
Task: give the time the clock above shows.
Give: 5:15
